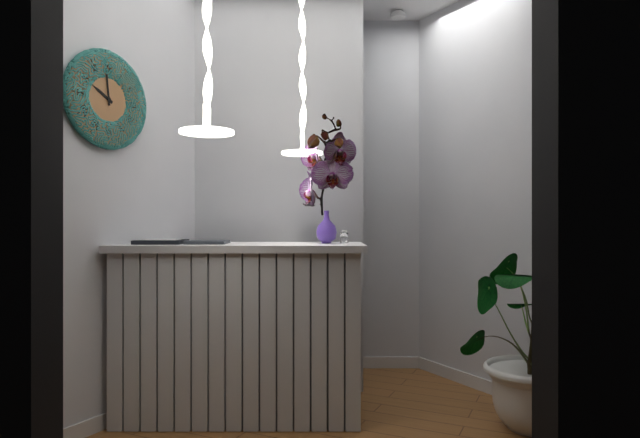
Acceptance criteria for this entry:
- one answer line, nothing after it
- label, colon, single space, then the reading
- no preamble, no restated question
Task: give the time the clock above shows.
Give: 9:59
